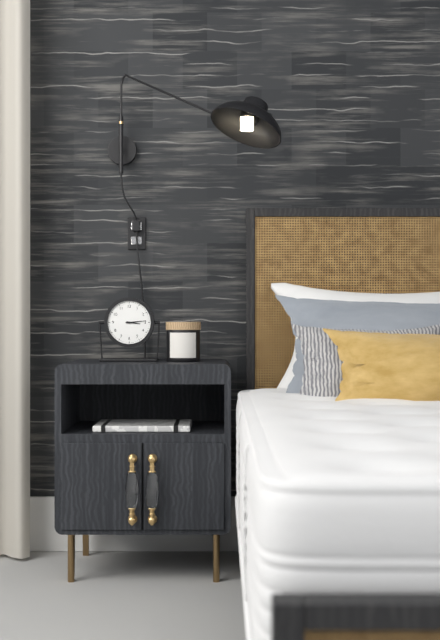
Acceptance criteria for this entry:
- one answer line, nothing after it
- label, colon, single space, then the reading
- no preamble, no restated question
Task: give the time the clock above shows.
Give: 3:14
